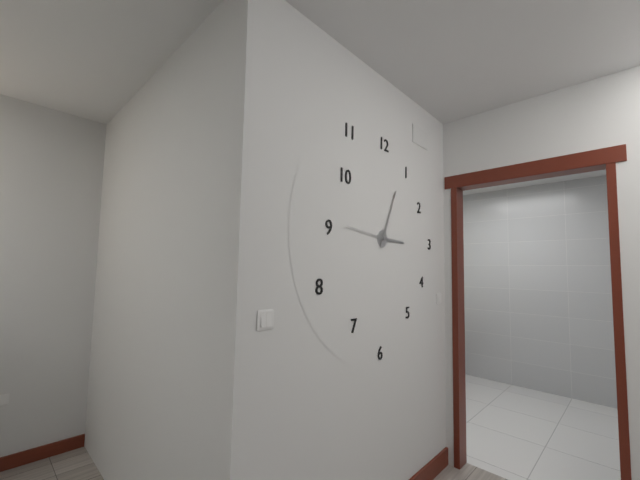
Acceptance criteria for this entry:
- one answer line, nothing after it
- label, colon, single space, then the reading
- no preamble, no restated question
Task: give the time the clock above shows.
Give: 3:04
